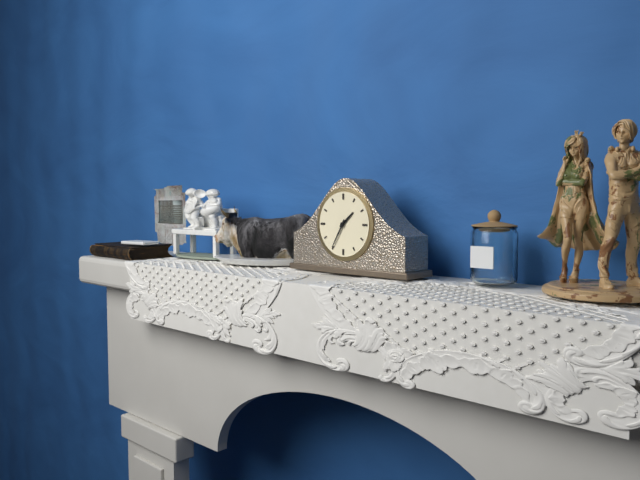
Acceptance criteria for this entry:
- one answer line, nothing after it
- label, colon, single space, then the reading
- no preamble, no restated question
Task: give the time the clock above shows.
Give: 1:35
